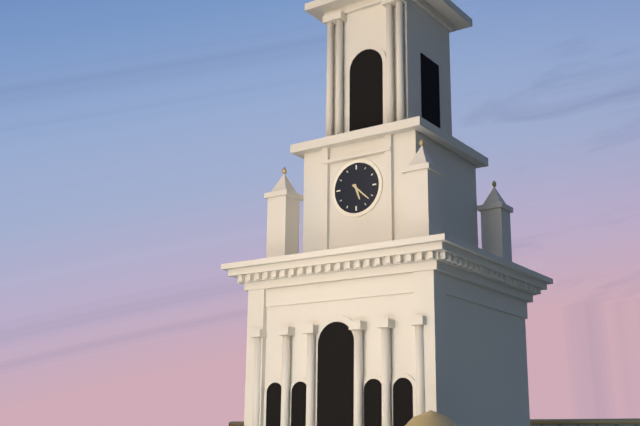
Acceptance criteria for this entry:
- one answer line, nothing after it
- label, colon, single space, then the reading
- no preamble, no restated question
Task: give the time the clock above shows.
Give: 5:22
